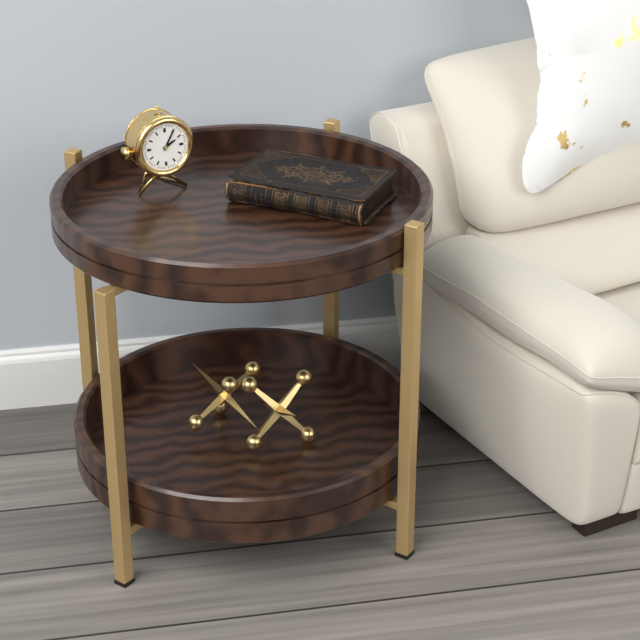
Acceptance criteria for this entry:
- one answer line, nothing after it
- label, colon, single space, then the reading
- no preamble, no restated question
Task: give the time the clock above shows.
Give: 2:05
